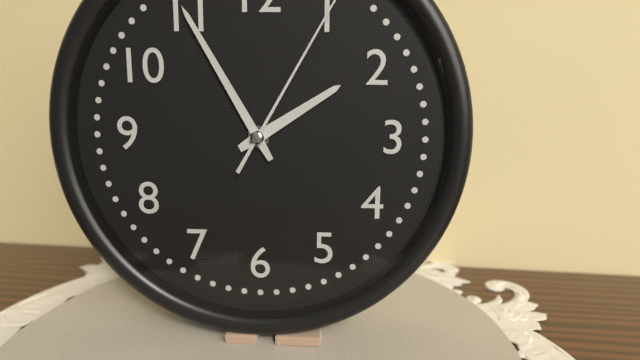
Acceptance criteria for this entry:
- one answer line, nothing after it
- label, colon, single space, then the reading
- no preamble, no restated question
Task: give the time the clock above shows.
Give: 1:55
